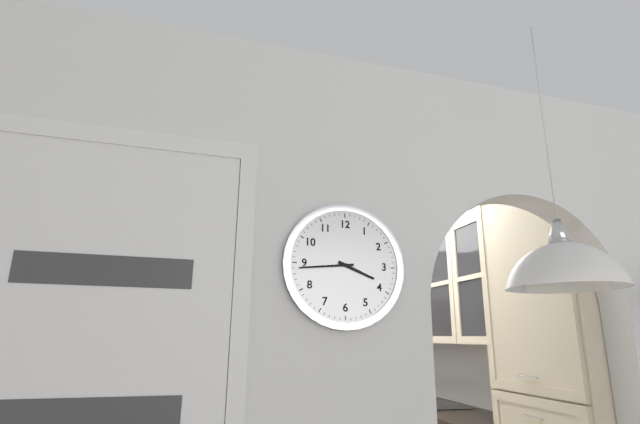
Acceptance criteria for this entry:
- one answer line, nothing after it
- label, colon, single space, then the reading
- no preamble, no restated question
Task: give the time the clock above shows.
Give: 3:44
